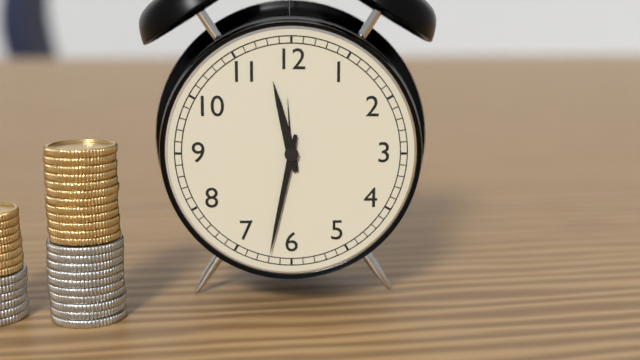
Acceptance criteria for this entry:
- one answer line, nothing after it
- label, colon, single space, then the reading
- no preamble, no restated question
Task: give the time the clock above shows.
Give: 11:32
